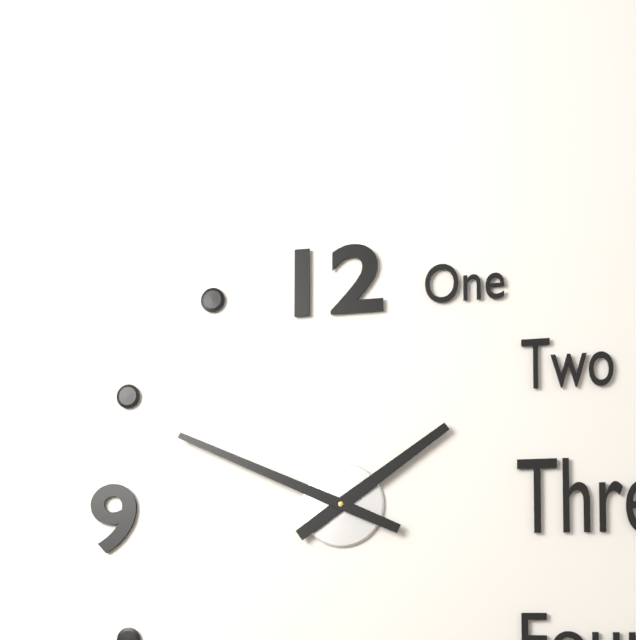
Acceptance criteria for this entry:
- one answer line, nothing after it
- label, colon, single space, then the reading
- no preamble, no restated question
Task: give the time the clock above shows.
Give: 1:49
